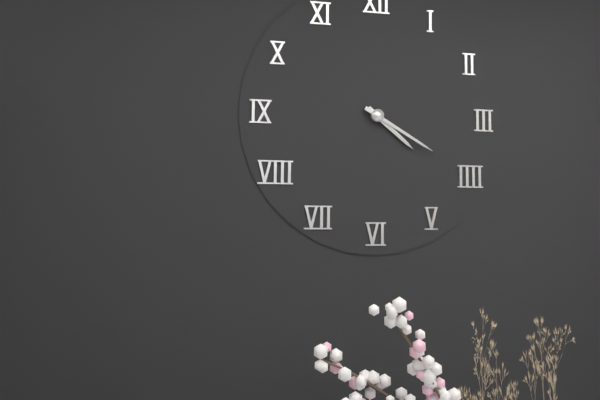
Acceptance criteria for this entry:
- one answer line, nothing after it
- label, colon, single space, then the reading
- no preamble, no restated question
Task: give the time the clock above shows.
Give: 4:20
